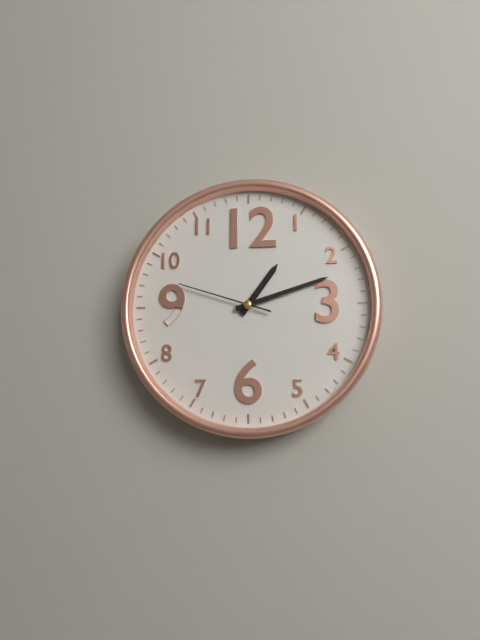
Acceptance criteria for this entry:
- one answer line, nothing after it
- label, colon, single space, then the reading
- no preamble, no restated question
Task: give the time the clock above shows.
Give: 1:12:48
